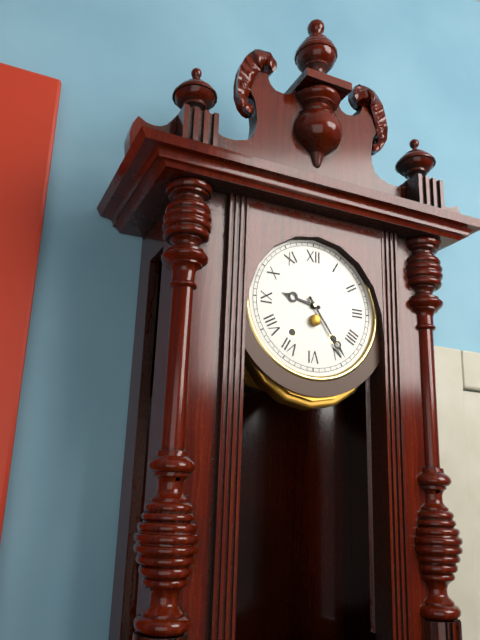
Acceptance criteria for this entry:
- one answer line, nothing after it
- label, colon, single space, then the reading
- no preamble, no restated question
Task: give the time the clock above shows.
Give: 9:24
